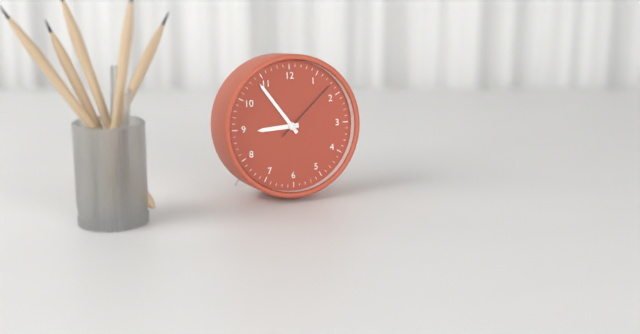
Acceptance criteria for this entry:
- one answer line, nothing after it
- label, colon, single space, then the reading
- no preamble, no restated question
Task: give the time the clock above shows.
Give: 8:54:08
